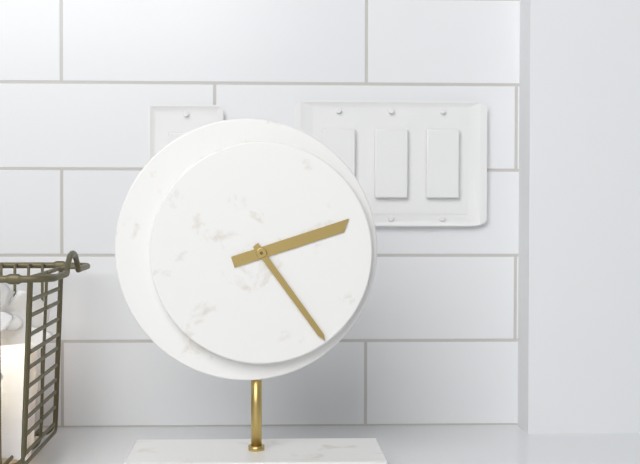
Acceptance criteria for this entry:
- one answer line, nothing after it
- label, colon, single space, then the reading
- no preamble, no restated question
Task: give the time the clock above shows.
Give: 2:24
